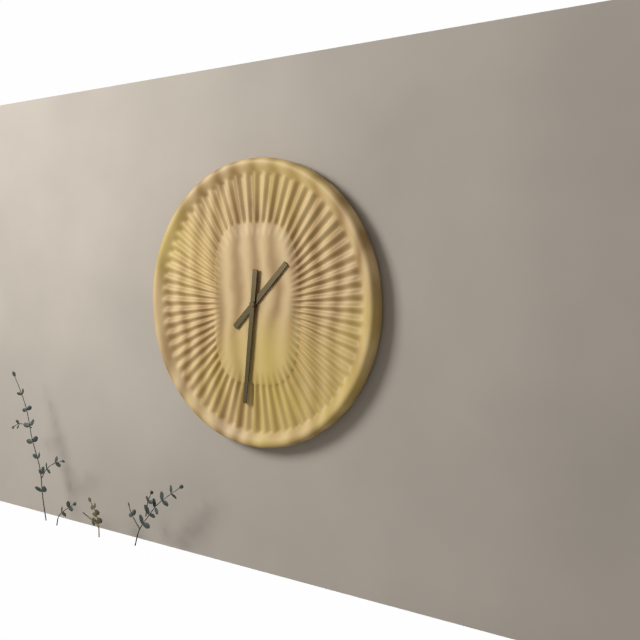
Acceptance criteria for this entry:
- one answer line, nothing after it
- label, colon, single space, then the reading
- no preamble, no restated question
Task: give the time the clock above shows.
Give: 1:31
